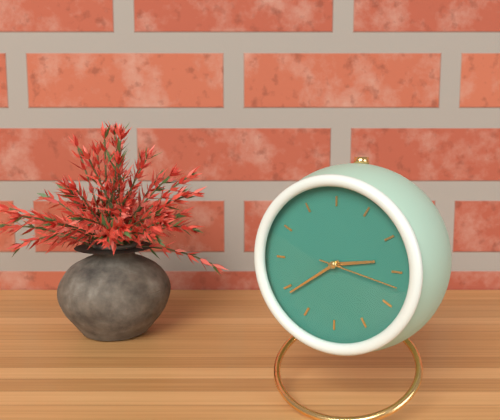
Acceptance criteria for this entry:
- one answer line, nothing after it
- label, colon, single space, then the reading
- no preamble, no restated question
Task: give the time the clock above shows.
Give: 2:39:17
